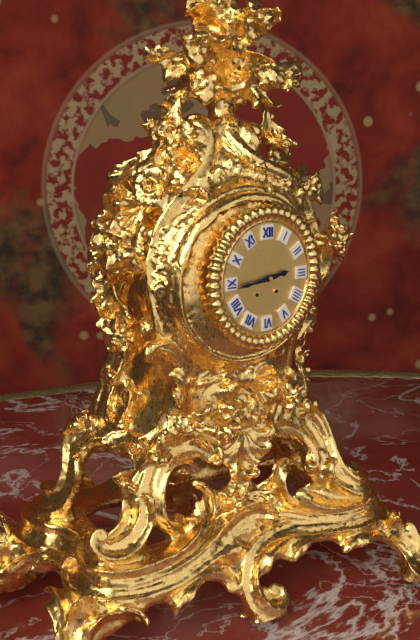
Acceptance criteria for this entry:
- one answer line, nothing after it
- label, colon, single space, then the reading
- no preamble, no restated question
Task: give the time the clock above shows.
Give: 2:44
